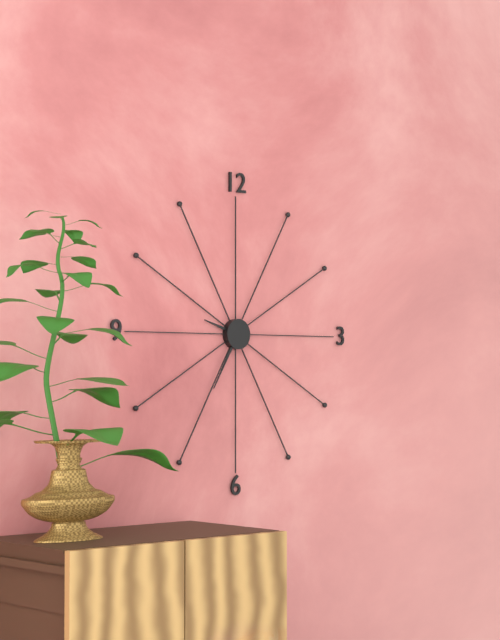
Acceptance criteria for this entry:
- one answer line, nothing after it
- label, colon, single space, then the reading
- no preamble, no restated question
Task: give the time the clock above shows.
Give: 9:35
